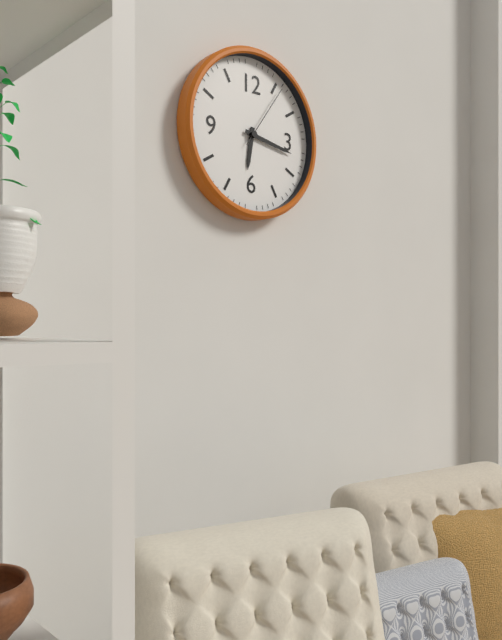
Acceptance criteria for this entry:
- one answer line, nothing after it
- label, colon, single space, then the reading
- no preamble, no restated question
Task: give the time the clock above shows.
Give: 6:17:06
